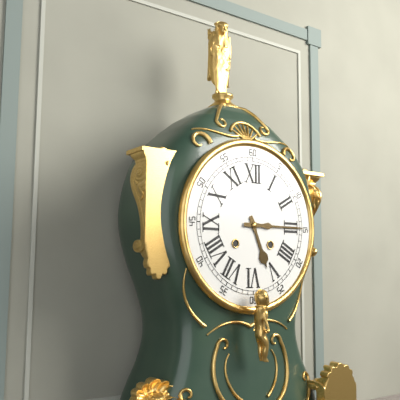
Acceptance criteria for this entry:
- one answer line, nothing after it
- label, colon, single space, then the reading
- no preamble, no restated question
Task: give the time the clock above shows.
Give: 5:15
